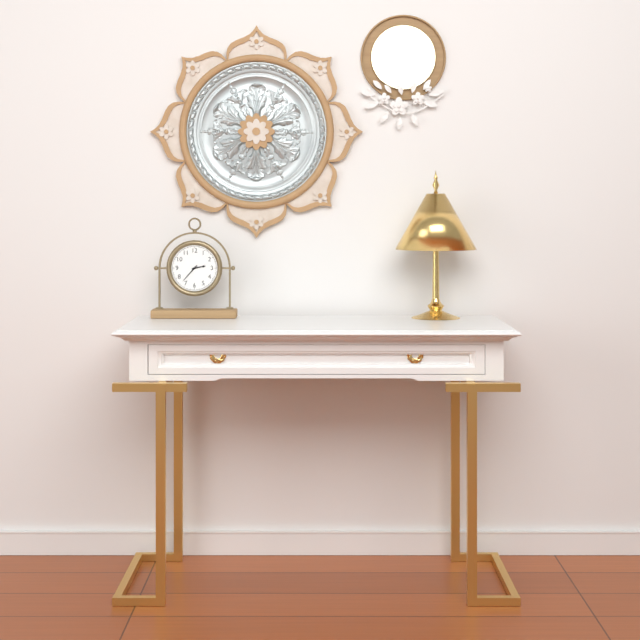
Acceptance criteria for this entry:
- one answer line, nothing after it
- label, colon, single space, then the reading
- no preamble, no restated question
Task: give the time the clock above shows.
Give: 2:37
